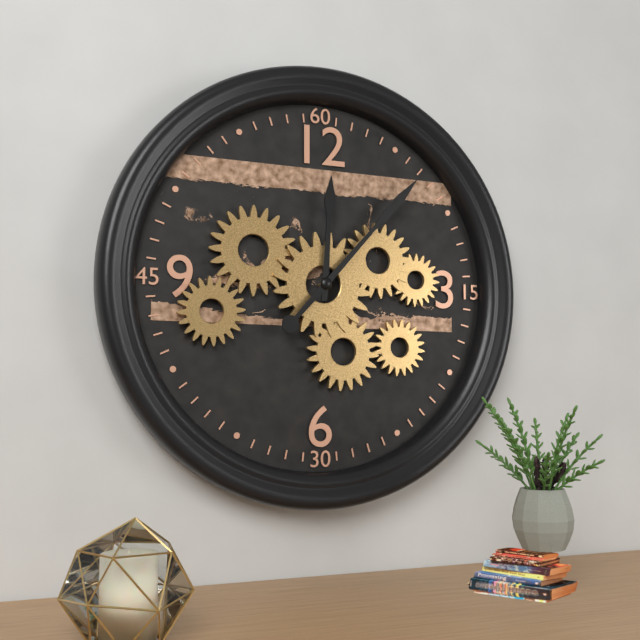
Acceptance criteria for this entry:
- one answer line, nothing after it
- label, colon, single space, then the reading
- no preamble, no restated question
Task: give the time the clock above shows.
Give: 12:07
